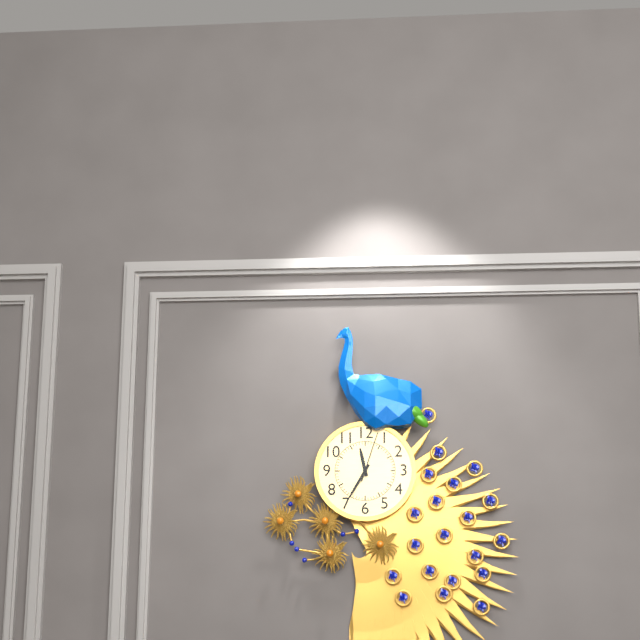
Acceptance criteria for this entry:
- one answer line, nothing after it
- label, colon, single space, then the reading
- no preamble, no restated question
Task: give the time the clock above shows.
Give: 11:35
